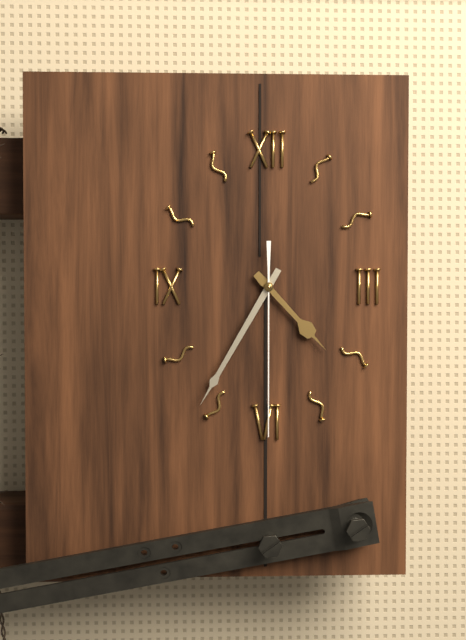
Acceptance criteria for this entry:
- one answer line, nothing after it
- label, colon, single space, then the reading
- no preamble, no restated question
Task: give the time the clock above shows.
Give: 4:35:30
